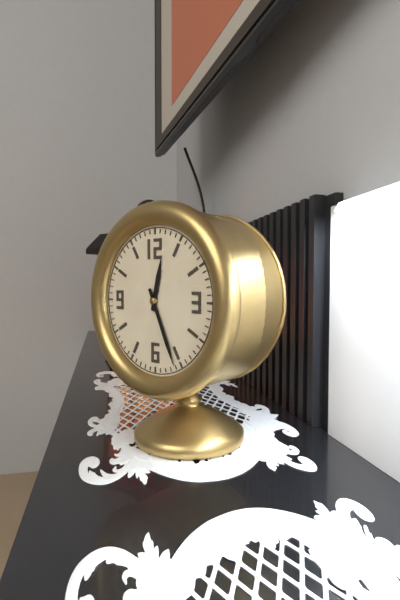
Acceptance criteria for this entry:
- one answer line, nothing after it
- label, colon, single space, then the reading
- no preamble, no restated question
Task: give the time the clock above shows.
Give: 12:26
